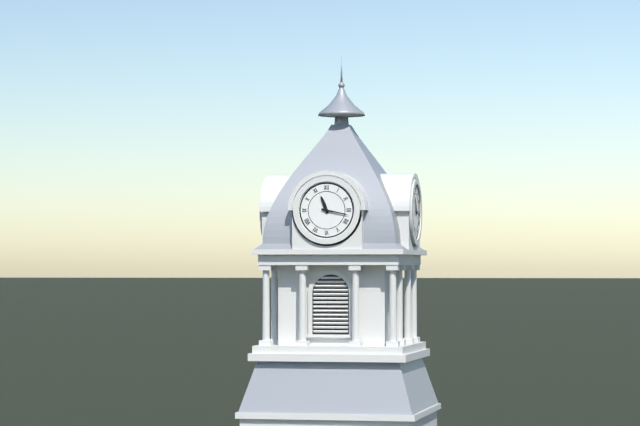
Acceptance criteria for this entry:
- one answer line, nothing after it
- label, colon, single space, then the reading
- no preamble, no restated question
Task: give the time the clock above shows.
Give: 11:17
